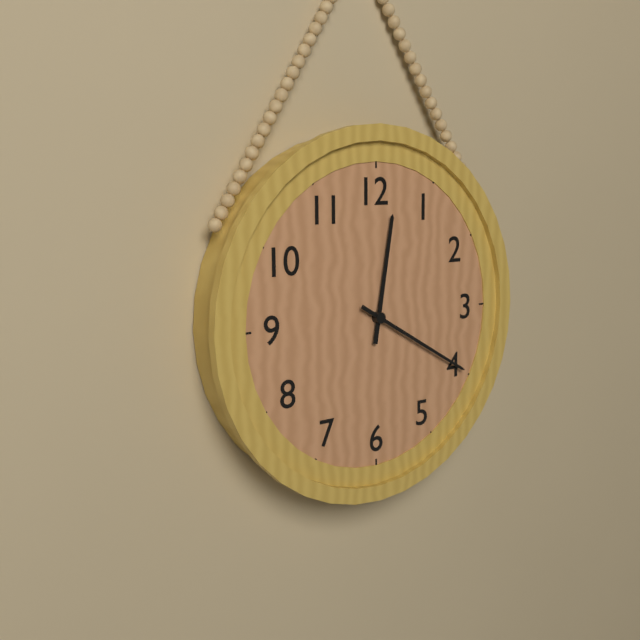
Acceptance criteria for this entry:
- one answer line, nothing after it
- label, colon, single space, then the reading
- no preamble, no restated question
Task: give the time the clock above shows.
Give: 12:20
